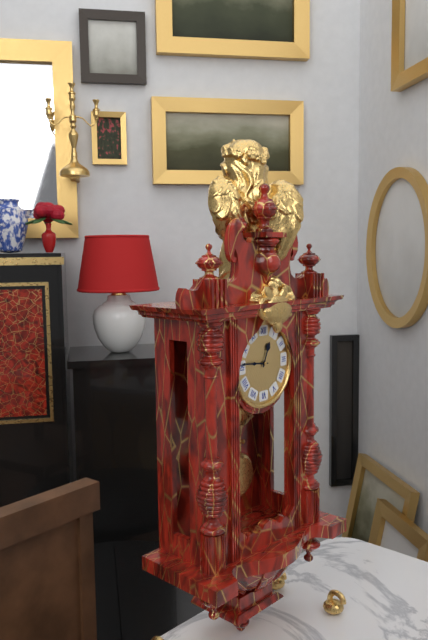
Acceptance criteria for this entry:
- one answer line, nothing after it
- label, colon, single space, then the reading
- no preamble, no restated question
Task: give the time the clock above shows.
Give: 12:46
